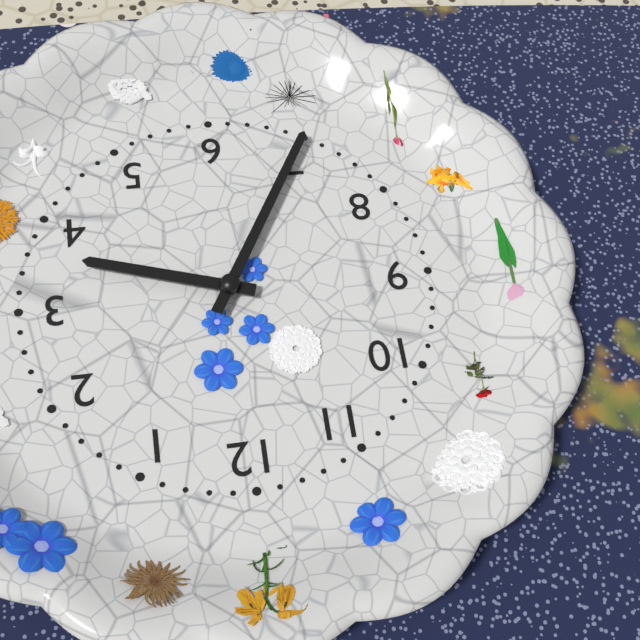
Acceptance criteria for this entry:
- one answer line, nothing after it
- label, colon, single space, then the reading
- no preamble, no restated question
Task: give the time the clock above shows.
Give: 3:35
